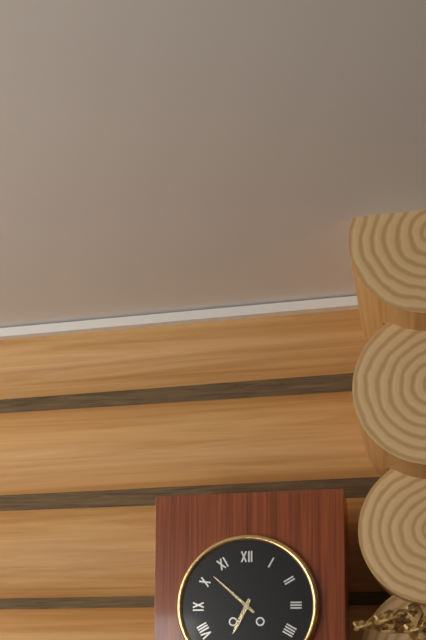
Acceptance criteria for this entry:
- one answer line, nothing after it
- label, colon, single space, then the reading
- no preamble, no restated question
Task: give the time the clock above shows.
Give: 6:52
